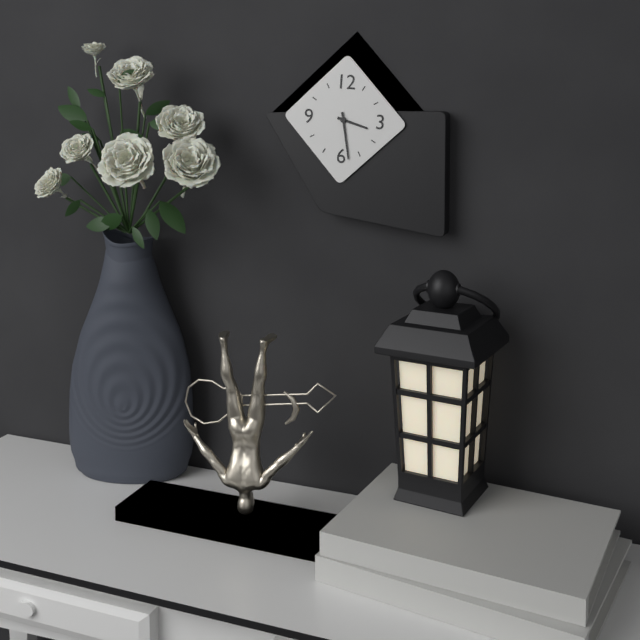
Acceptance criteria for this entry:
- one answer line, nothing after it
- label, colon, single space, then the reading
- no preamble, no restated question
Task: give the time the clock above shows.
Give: 3:28
